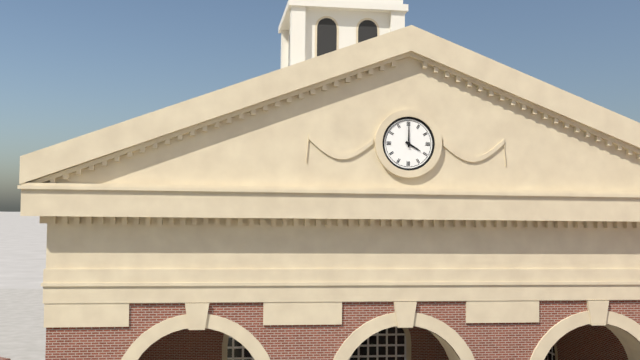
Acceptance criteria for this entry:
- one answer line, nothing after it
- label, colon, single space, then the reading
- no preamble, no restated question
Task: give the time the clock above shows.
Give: 4:00
